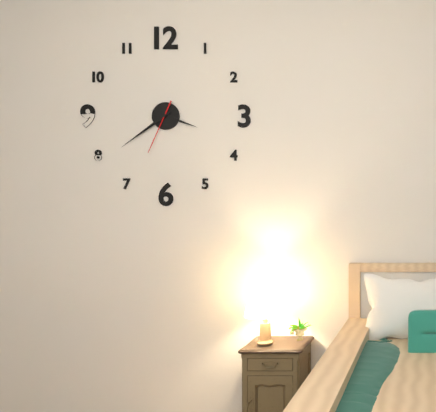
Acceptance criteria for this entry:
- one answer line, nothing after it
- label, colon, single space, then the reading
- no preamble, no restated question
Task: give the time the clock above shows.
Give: 3:39:34
